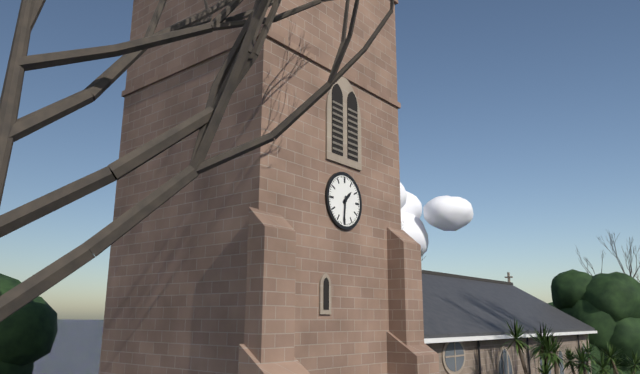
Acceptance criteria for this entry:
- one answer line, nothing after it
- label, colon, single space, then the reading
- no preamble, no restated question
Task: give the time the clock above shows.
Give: 1:31
